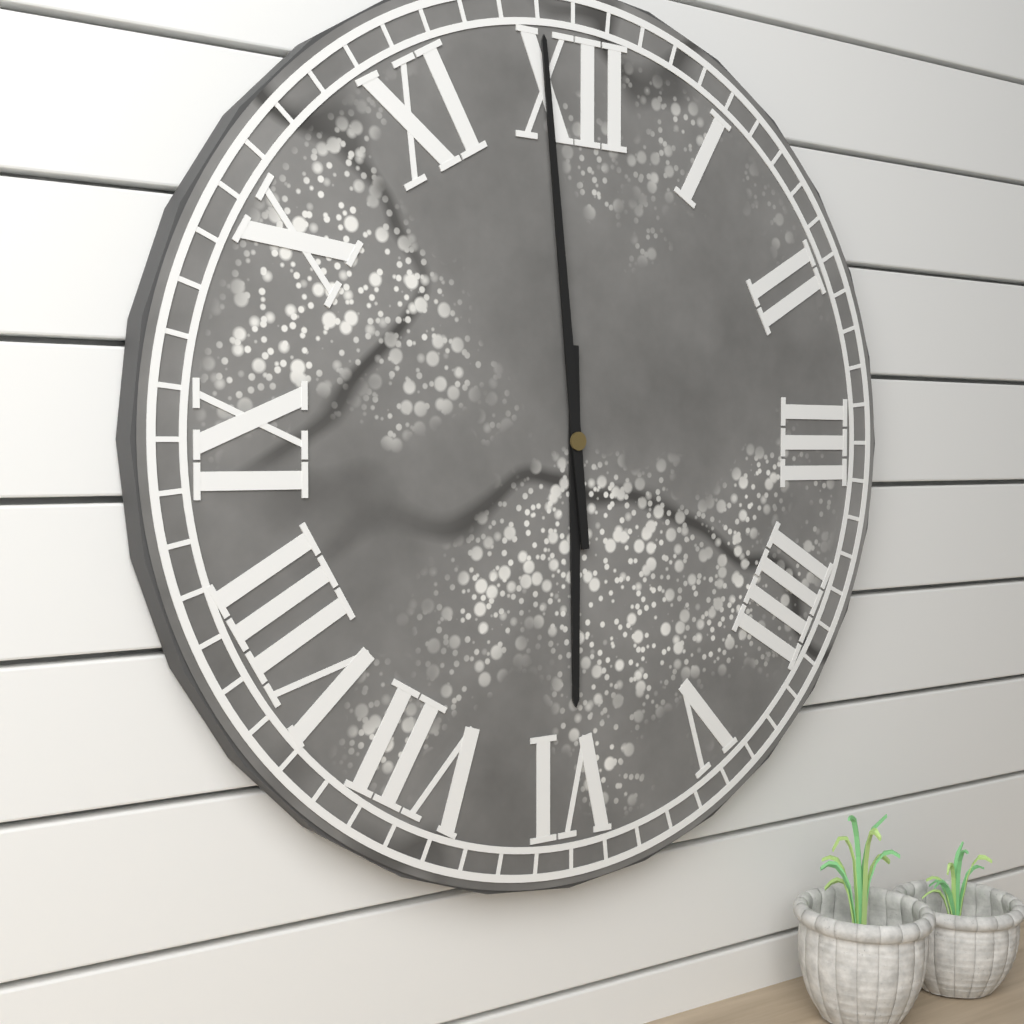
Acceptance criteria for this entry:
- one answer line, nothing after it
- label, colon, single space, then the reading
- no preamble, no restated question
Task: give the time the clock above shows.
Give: 5:59
